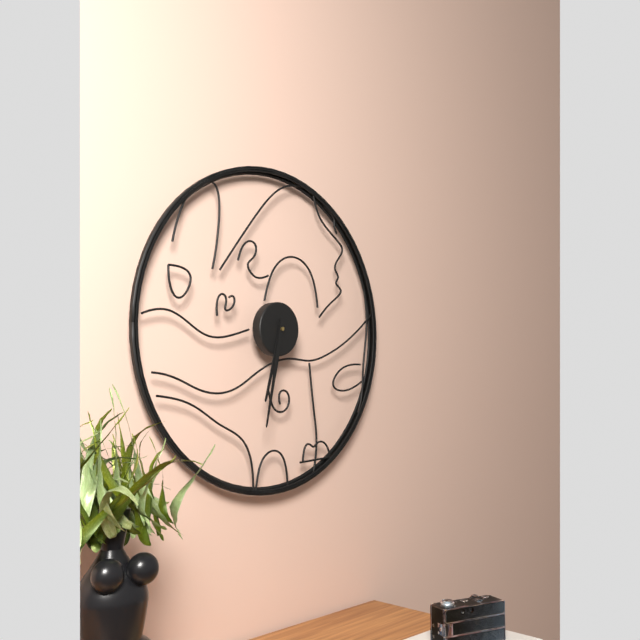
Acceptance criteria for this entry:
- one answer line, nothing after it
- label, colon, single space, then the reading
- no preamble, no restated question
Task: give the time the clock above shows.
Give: 6:32
